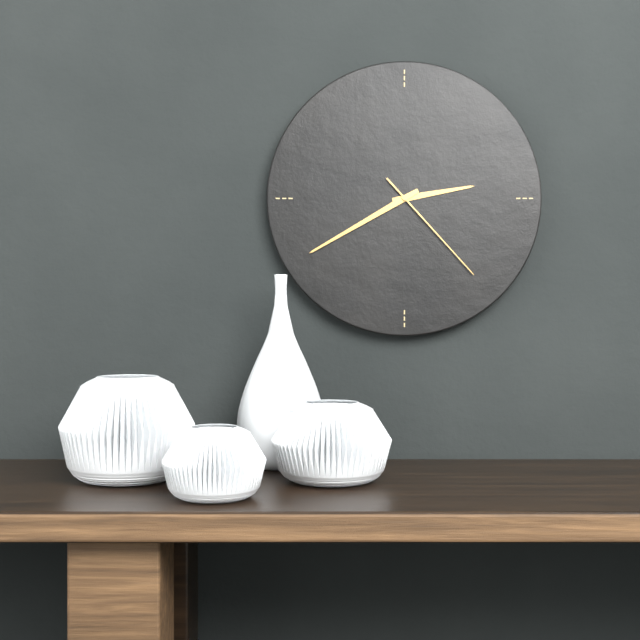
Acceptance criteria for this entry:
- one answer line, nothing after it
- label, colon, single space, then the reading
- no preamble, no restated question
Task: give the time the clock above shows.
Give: 2:40:23
